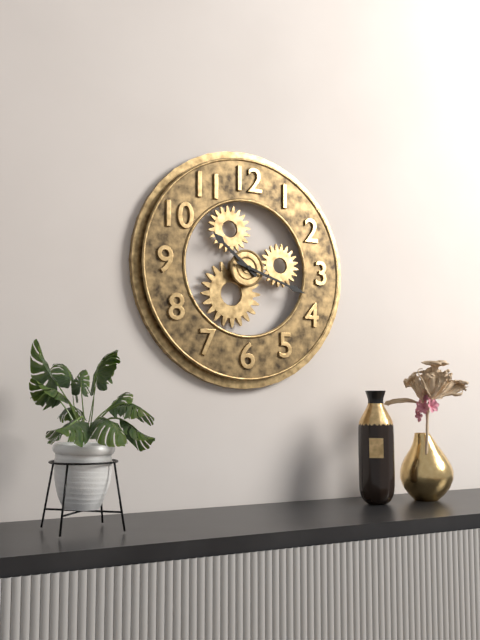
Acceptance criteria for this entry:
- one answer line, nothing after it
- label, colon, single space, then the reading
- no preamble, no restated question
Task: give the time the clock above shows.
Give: 10:18
